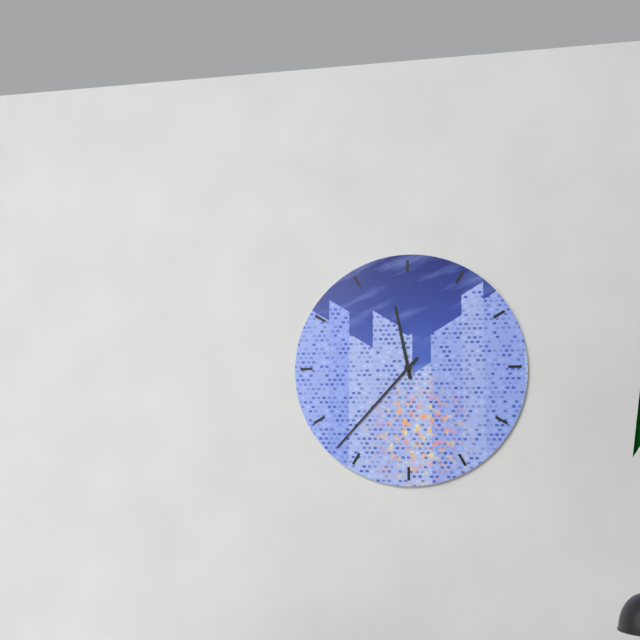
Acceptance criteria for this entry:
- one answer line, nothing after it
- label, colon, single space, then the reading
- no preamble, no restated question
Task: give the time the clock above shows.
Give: 11:37
